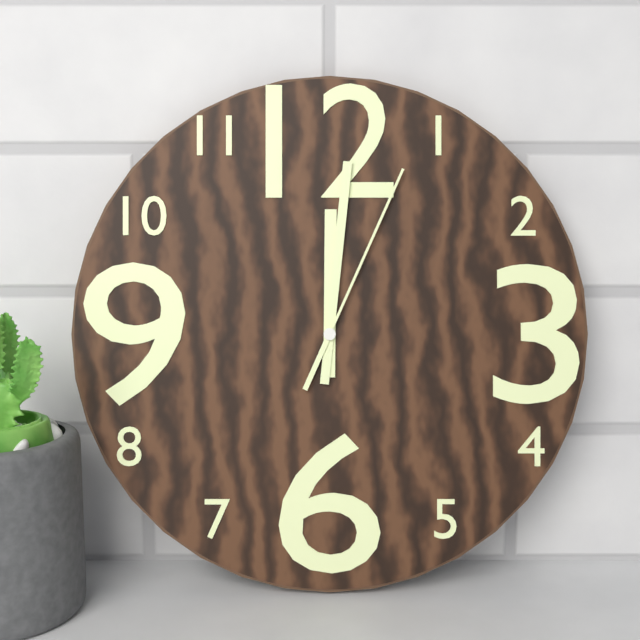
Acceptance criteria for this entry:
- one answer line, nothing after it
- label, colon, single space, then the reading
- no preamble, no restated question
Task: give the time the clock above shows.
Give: 12:01:04
